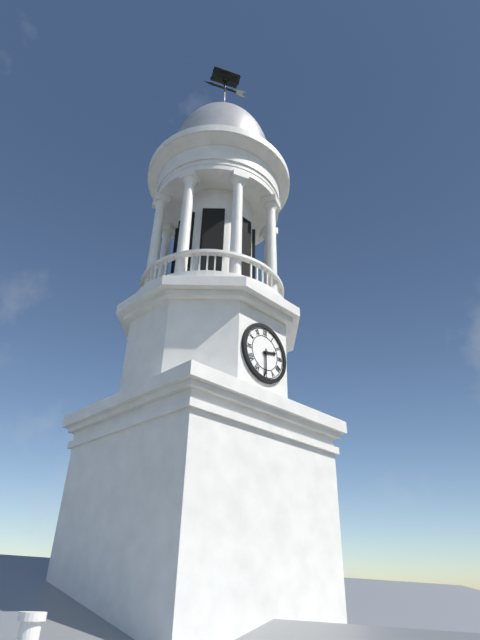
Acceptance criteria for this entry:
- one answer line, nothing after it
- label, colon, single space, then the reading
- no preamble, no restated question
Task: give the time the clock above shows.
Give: 2:30
